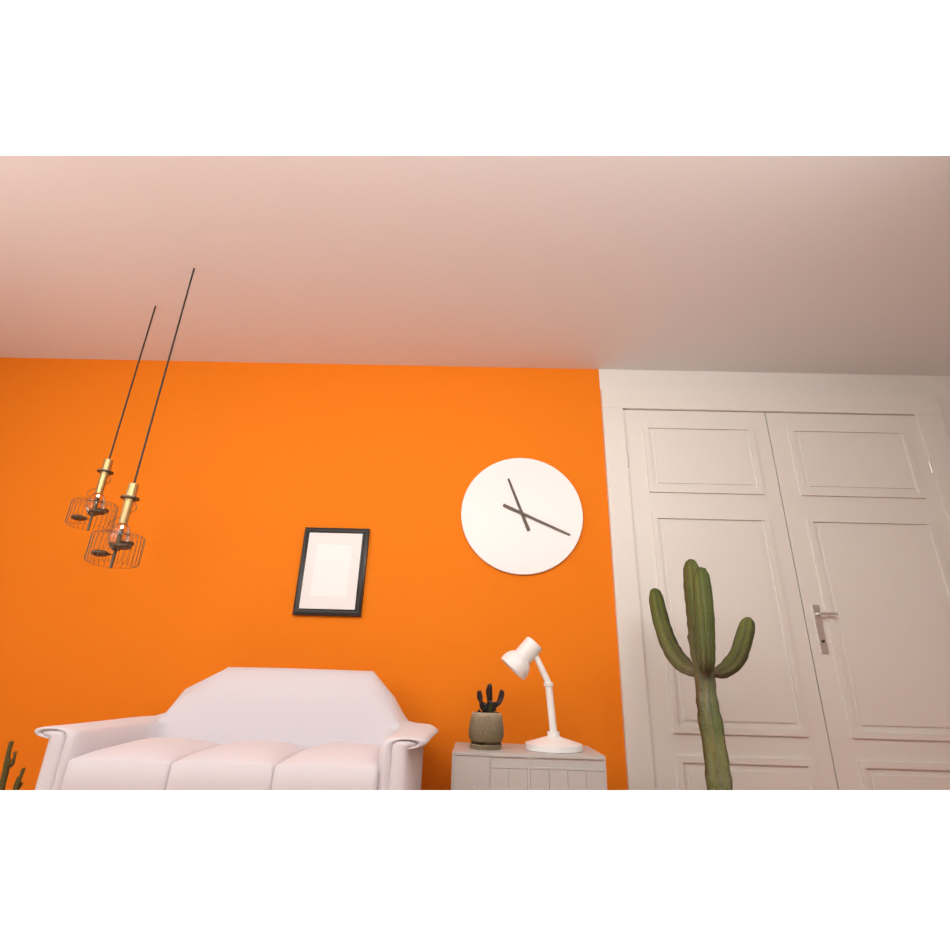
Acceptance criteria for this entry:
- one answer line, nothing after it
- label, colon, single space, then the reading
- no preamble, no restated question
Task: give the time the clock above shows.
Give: 11:19
